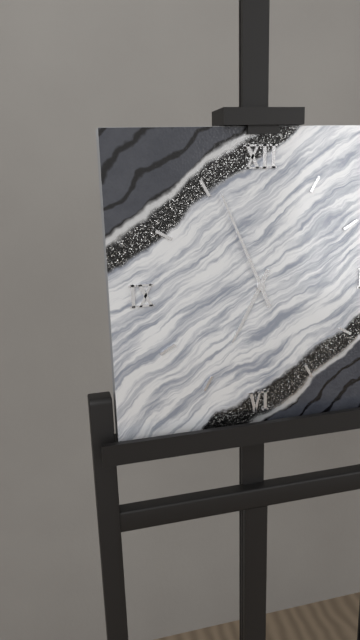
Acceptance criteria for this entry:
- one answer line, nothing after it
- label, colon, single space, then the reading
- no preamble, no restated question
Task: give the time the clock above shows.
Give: 6:56
